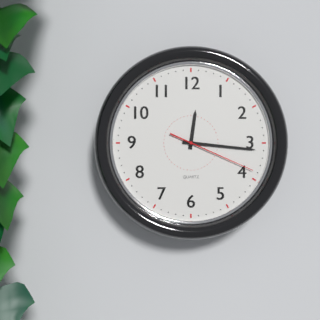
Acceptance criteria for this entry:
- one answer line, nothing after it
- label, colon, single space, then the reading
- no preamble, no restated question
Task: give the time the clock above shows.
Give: 12:16:19
